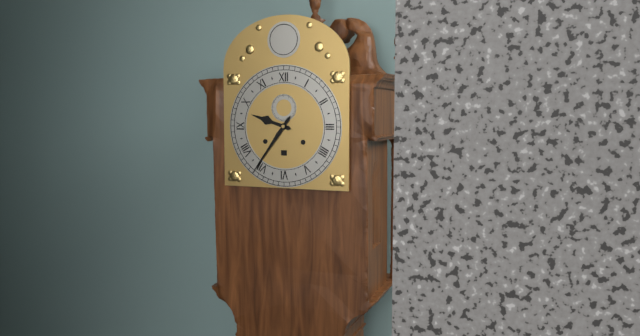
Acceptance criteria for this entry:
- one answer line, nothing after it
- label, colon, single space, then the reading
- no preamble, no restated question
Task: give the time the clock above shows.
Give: 9:36
